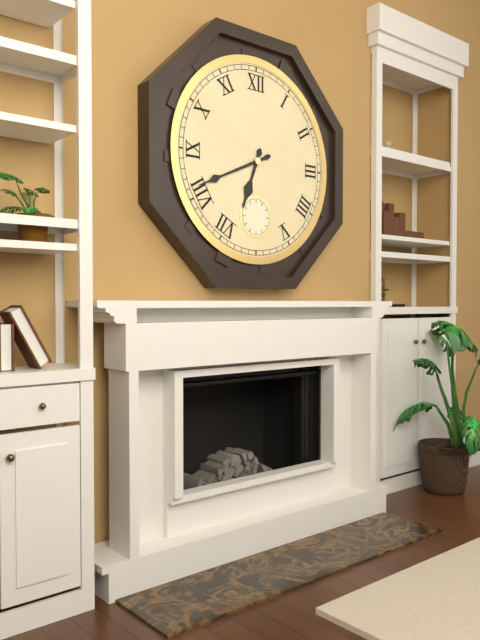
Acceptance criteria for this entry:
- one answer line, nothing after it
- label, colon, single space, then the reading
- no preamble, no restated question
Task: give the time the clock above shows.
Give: 6:41
